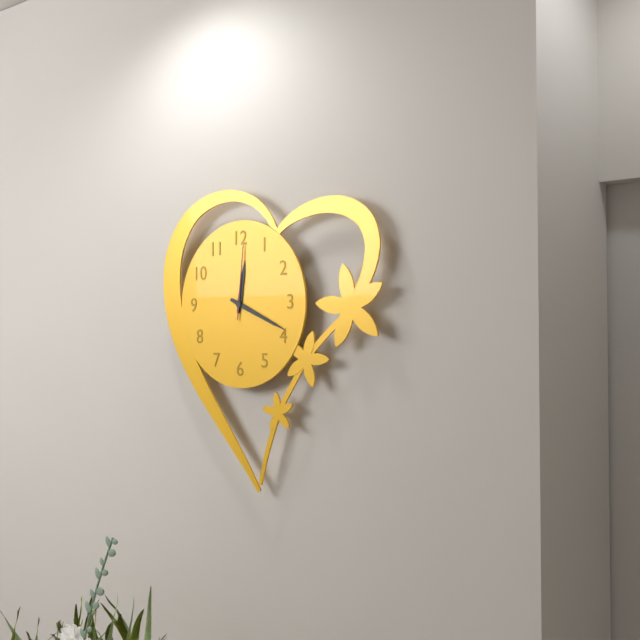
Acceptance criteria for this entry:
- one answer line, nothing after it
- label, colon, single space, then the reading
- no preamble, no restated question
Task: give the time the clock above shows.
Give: 12:19:01
